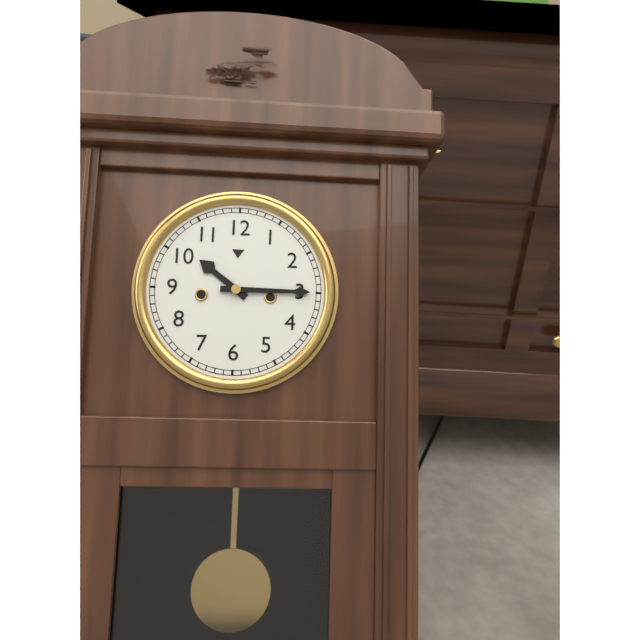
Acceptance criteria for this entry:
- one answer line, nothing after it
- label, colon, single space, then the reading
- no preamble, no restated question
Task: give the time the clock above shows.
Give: 10:15
